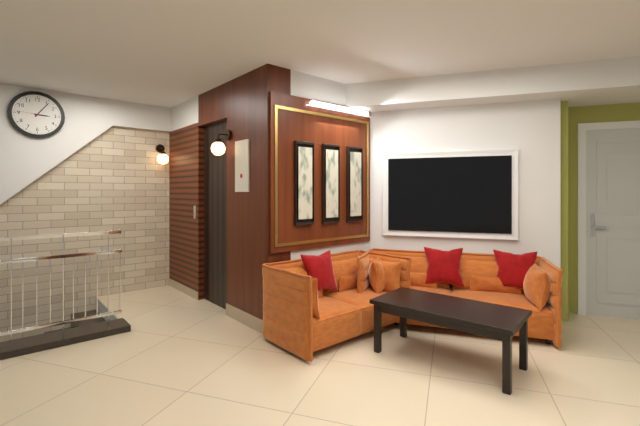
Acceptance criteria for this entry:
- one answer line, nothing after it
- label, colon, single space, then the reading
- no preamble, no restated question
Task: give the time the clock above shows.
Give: 3:06
